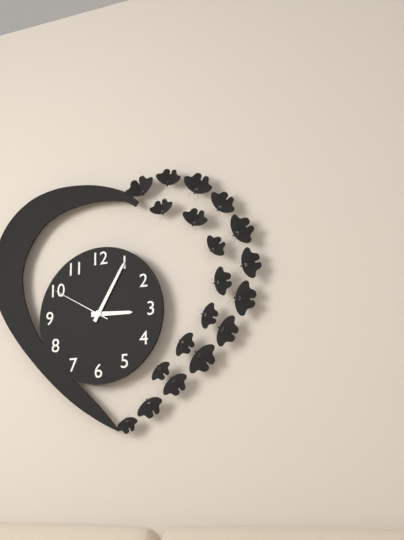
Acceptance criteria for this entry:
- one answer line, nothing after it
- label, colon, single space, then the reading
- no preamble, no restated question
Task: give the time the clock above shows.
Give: 3:05:50
